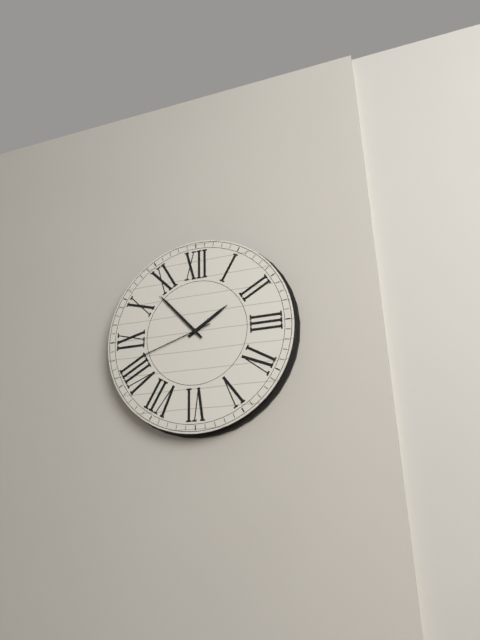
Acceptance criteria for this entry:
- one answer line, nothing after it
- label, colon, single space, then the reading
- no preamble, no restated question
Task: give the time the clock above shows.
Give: 1:53:42
